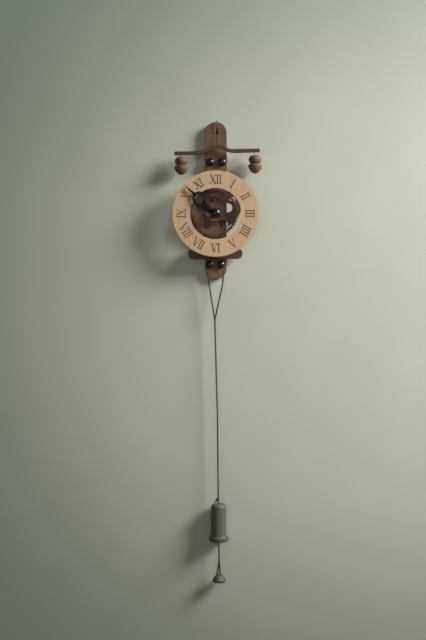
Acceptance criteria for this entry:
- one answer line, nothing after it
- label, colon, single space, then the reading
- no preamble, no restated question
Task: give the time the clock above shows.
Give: 9:52
